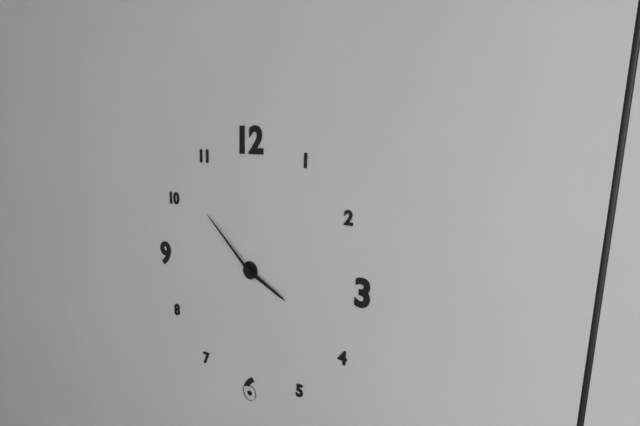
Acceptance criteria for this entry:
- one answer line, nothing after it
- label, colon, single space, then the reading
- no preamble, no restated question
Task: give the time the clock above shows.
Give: 3:52
